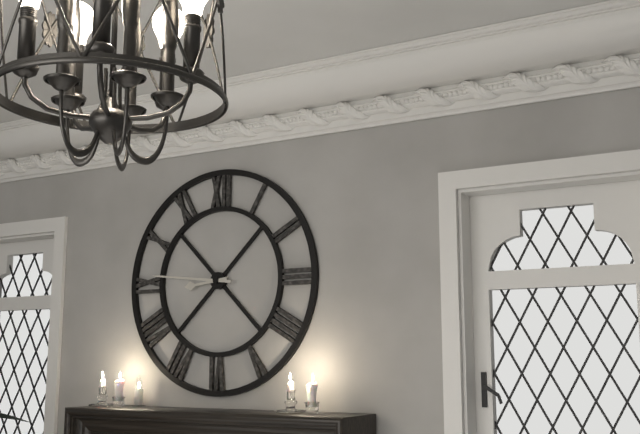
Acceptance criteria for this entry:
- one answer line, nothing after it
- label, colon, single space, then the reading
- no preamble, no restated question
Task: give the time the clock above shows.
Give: 8:46
